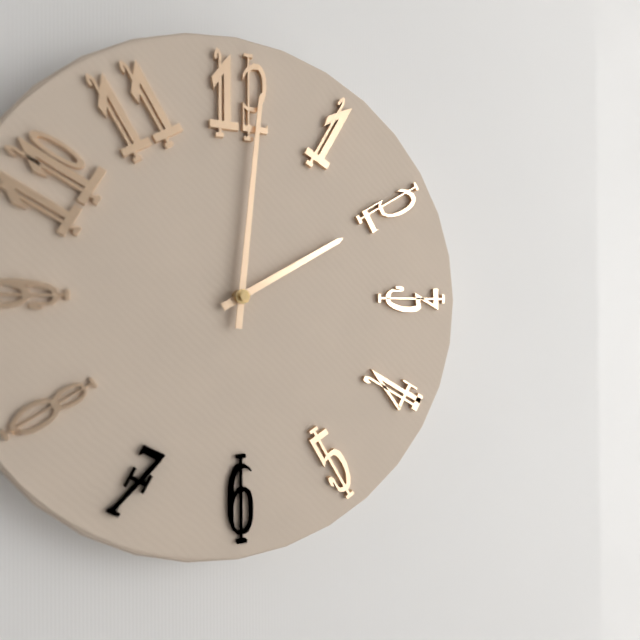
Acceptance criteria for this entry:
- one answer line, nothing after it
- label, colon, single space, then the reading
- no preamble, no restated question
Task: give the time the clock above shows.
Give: 2:01
